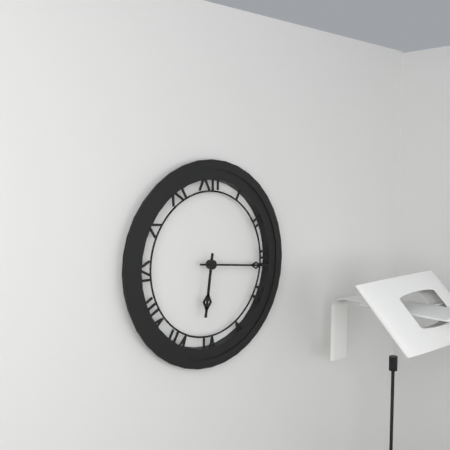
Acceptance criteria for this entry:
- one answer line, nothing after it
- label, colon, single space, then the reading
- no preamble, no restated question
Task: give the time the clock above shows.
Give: 6:16
